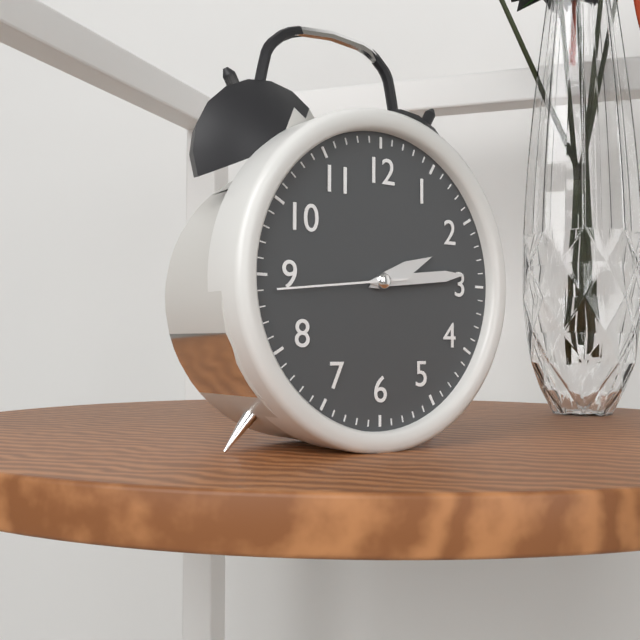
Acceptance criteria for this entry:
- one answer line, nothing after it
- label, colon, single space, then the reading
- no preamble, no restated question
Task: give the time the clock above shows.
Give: 2:14:44
